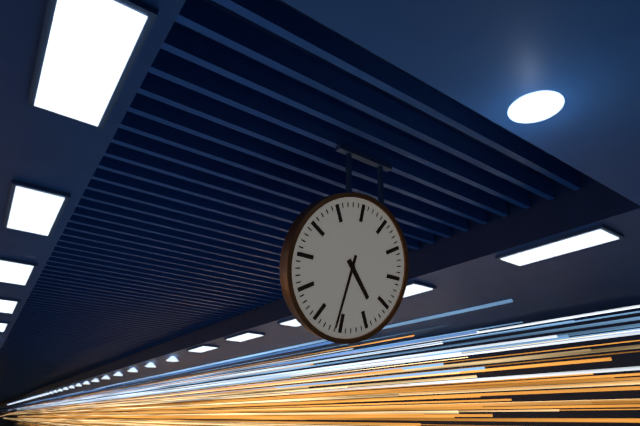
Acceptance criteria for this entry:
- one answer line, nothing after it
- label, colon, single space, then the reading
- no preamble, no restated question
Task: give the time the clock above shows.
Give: 4:31
